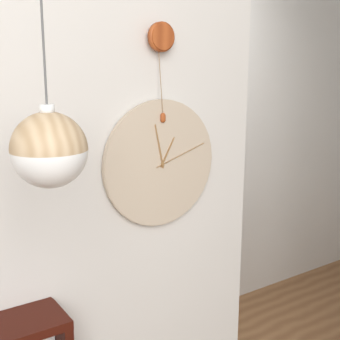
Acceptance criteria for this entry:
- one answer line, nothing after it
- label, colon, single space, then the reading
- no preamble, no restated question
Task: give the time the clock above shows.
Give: 12:58:12
